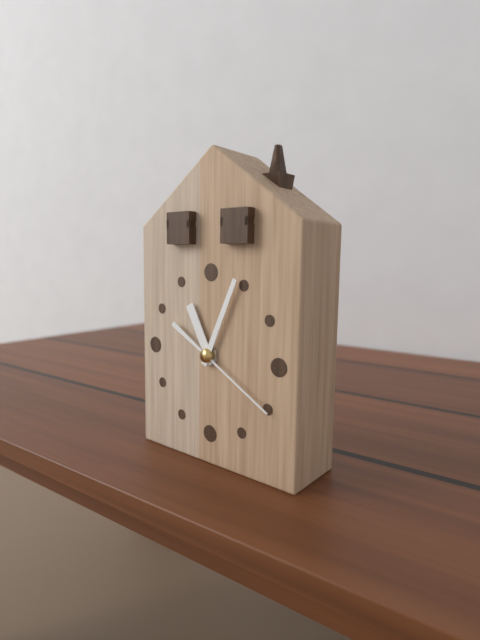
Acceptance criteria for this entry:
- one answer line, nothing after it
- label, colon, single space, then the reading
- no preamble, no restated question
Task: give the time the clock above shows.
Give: 11:04:20
